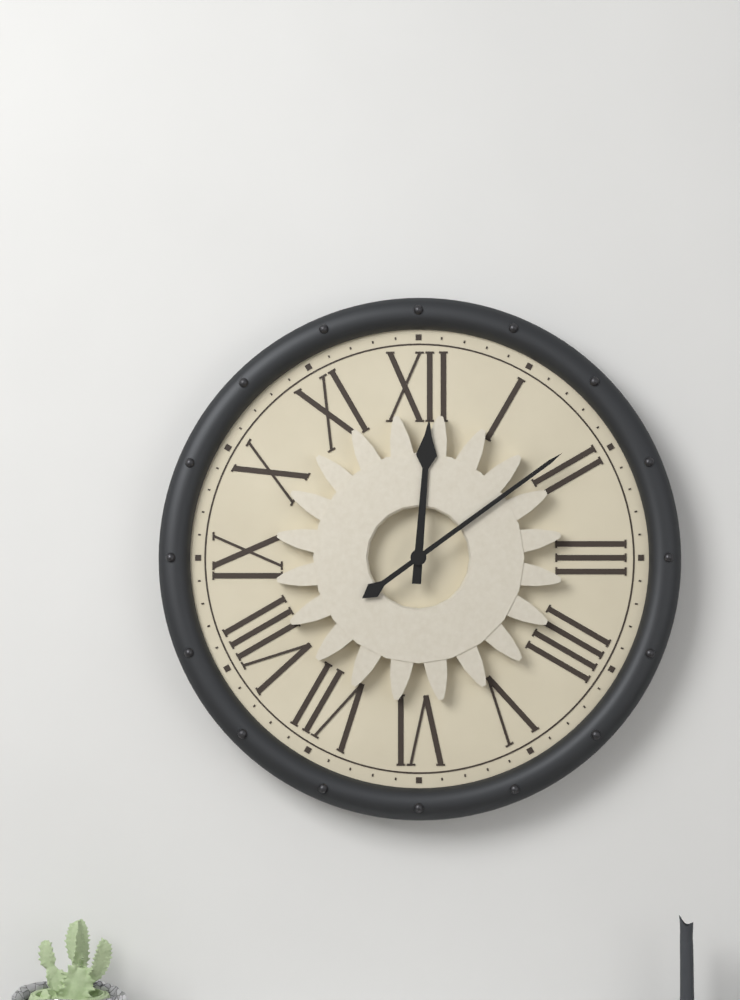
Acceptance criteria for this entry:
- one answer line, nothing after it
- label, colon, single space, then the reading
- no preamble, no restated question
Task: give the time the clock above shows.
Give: 12:09
